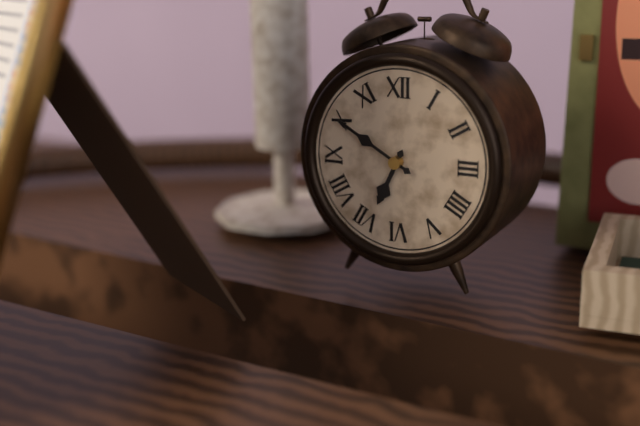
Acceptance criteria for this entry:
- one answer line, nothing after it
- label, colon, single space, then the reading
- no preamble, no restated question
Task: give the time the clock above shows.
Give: 6:50
